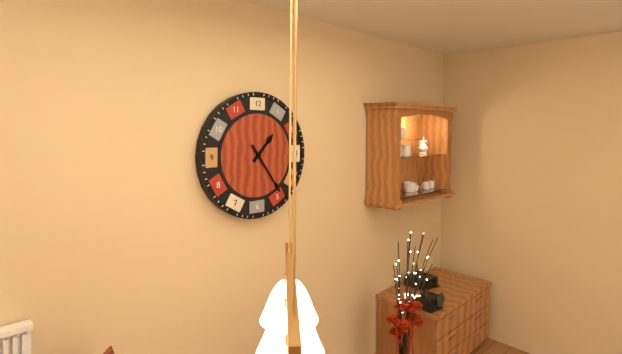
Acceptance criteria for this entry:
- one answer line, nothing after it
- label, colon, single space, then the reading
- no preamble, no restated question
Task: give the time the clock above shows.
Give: 1:24
